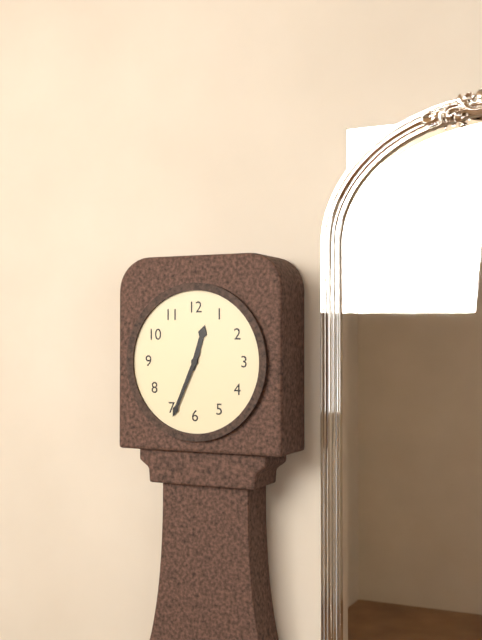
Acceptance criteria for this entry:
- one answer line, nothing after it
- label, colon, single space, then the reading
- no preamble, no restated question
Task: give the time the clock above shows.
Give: 12:34
